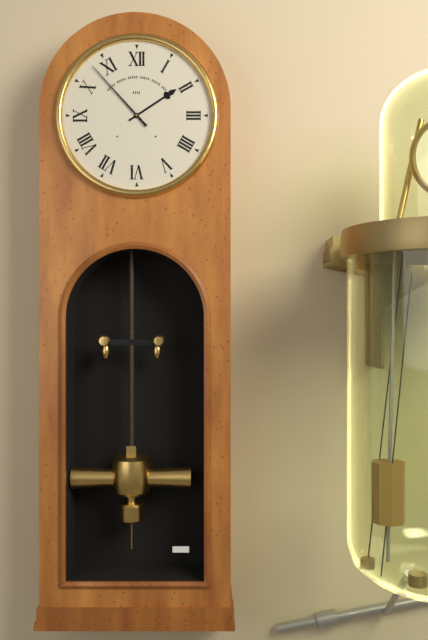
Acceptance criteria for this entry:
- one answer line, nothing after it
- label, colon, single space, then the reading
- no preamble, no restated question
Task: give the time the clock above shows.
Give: 1:53
